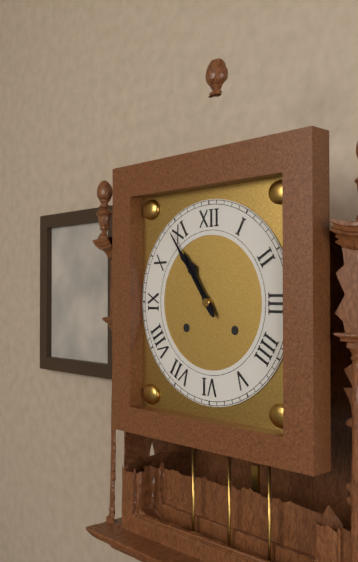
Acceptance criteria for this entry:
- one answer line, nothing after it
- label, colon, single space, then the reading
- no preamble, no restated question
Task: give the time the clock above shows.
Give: 10:54
